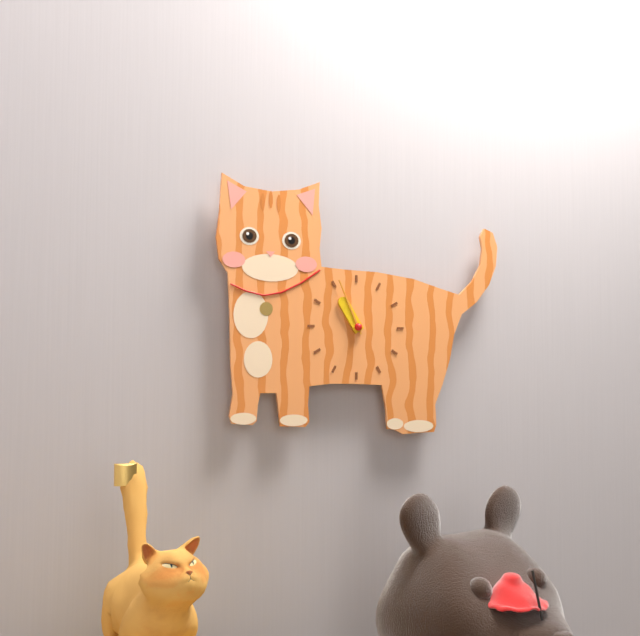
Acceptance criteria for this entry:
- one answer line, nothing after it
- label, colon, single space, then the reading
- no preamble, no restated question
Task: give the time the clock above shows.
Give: 10:56
